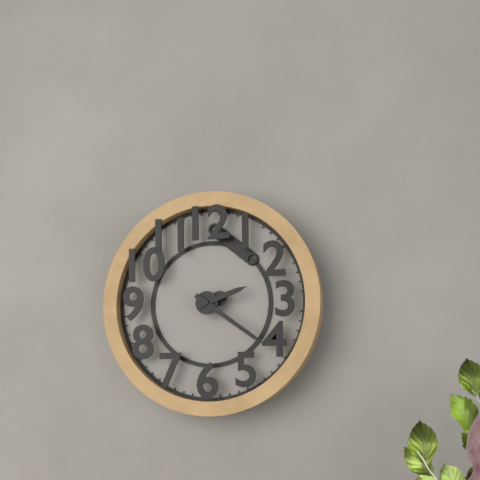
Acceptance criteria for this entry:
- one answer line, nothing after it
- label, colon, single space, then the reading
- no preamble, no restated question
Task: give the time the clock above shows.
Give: 2:21
